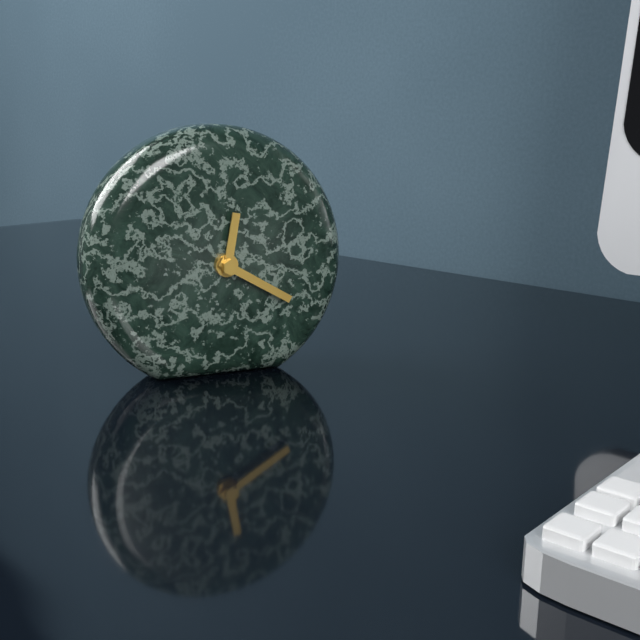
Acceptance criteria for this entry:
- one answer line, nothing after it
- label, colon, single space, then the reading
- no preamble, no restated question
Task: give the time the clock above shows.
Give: 12:20
